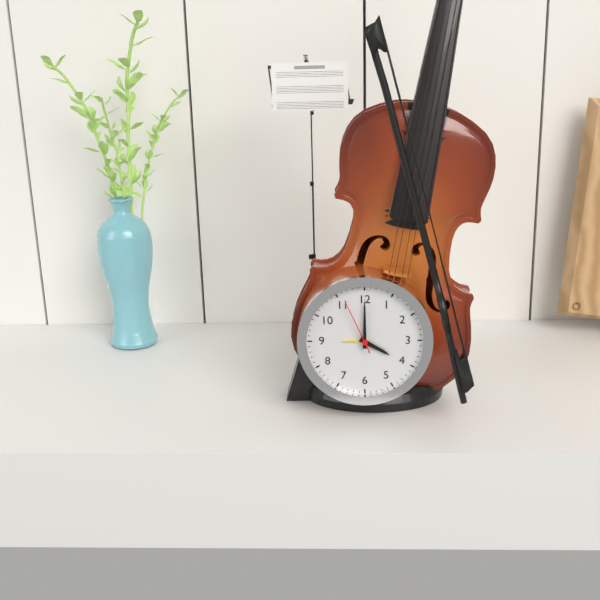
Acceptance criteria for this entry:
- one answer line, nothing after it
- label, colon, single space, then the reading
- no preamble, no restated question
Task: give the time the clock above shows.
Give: 4:00:56
